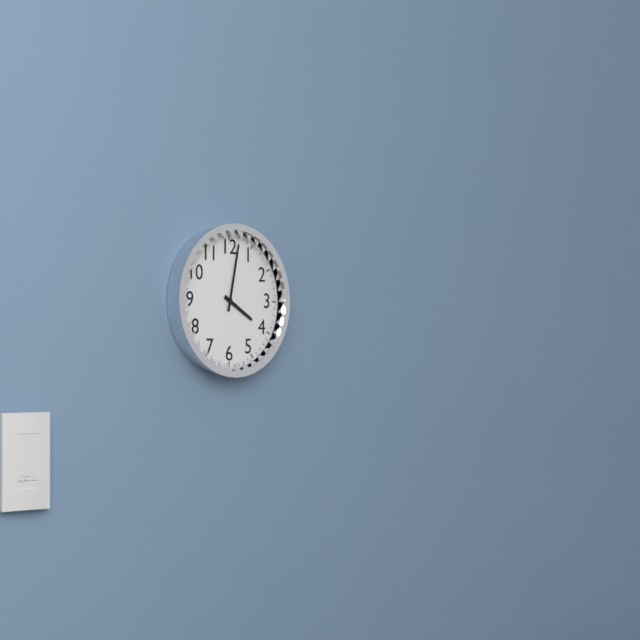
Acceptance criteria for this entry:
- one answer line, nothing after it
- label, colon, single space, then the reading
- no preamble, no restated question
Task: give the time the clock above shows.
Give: 4:02
